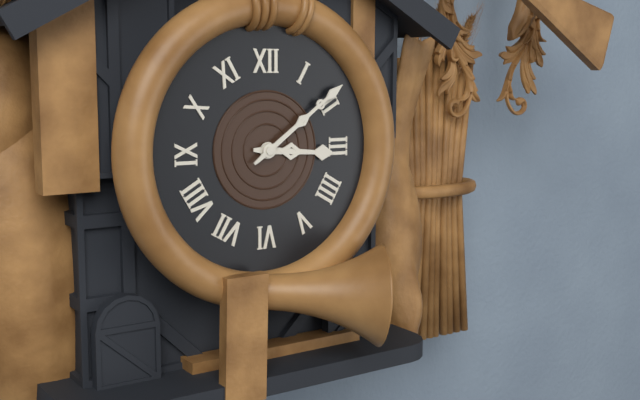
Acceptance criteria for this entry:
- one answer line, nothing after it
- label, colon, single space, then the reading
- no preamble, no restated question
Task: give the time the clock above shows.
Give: 3:09
